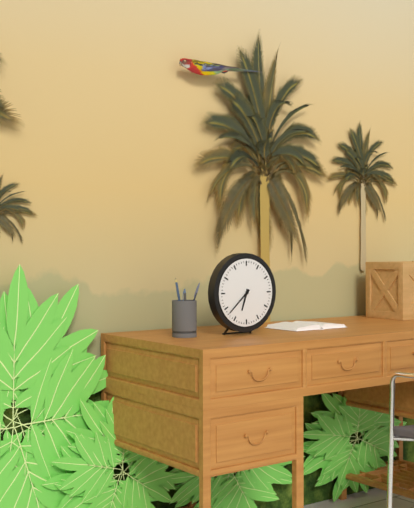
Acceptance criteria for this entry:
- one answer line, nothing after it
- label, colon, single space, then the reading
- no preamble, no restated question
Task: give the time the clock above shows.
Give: 6:38
